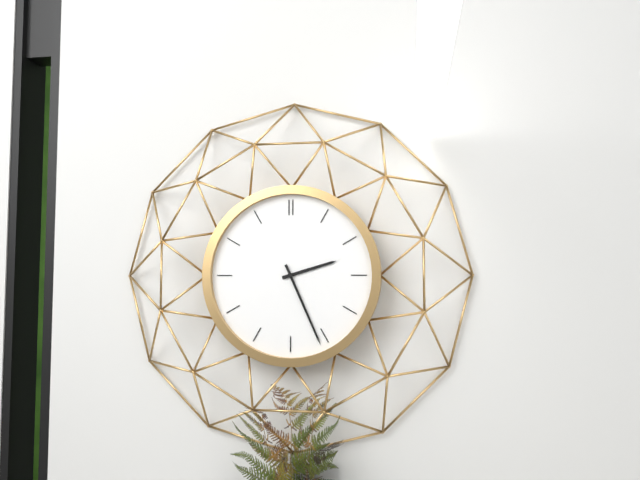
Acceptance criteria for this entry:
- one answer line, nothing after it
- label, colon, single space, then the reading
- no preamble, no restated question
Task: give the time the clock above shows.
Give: 2:26
